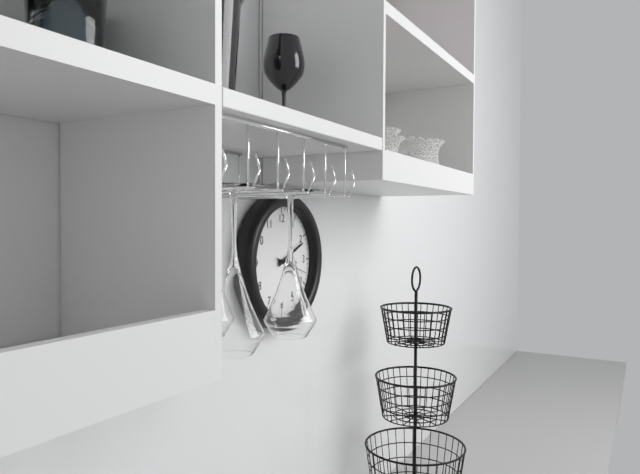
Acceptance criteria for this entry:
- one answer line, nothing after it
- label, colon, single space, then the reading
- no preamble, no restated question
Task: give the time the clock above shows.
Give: 3:11
